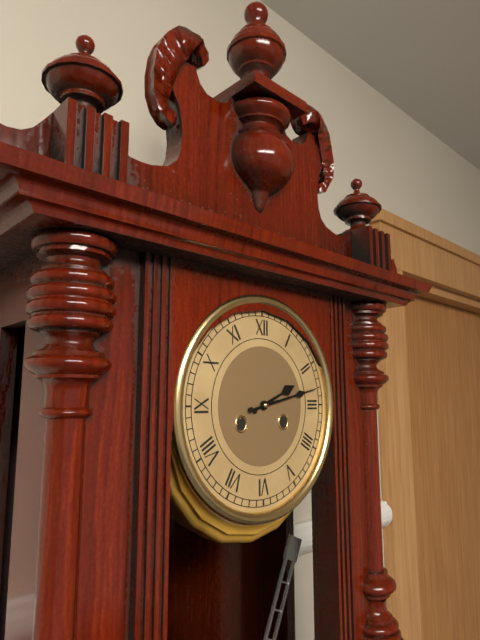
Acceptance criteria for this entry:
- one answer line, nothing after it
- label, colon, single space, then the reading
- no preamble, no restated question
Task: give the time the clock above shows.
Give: 2:13
